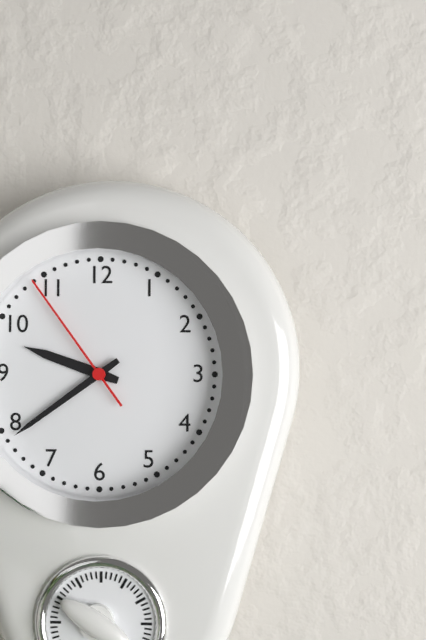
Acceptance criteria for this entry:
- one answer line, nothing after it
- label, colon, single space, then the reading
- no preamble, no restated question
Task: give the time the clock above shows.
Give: 9:39:54
